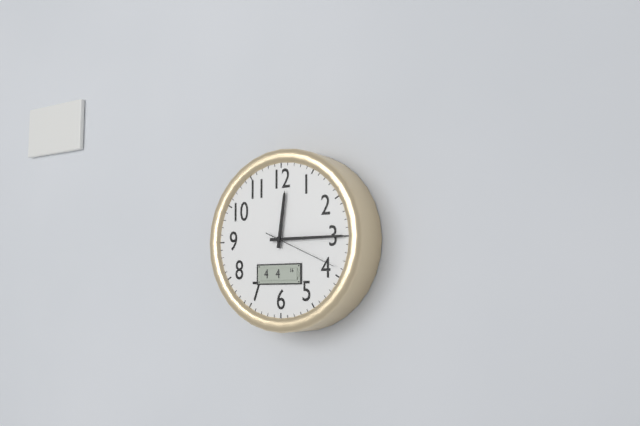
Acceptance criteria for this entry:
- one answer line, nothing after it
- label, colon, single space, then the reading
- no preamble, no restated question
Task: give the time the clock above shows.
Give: 12:15:19
